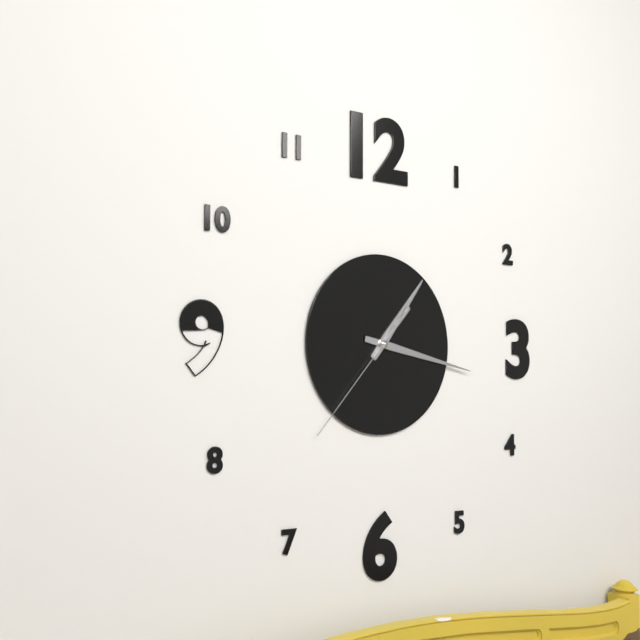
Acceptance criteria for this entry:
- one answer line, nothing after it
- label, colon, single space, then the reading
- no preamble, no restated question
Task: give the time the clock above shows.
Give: 1:17:37
